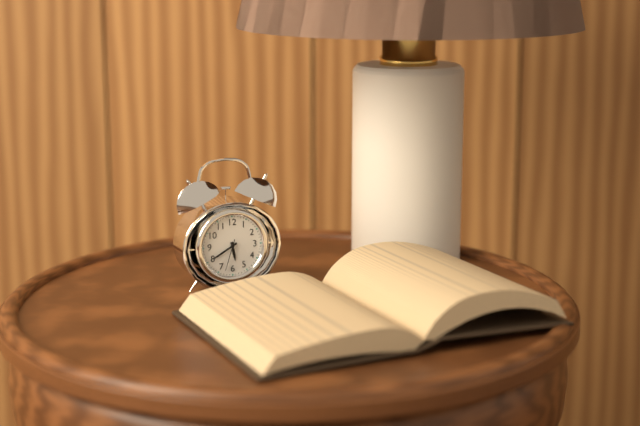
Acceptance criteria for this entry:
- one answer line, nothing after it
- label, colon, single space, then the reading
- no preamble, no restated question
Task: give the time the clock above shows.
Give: 5:40
